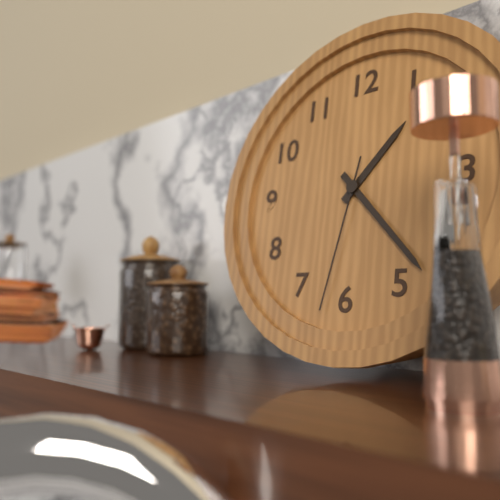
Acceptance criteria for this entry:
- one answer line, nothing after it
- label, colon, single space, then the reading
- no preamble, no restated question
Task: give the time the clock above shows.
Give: 1:23:32
